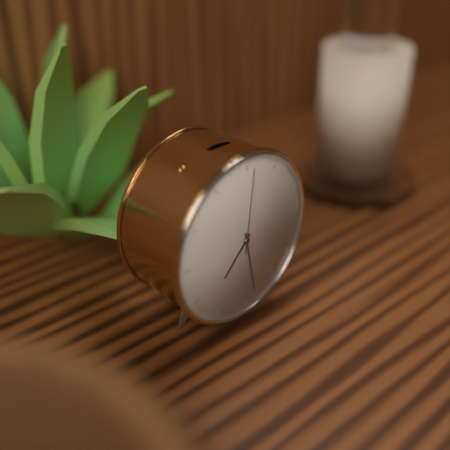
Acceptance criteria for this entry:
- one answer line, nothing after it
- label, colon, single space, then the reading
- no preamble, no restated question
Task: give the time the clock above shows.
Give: 7:28:01
